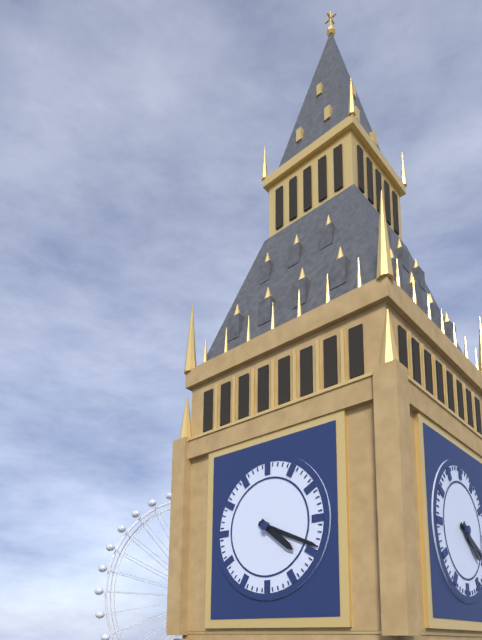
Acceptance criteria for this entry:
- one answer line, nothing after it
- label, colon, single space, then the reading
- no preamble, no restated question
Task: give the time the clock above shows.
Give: 4:19
